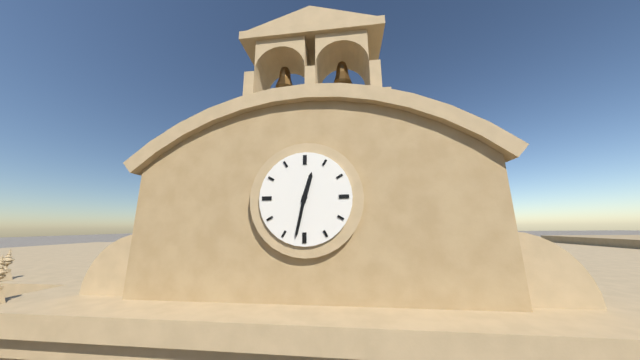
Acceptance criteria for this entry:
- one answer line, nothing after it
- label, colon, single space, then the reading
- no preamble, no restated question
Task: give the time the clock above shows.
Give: 12:32
